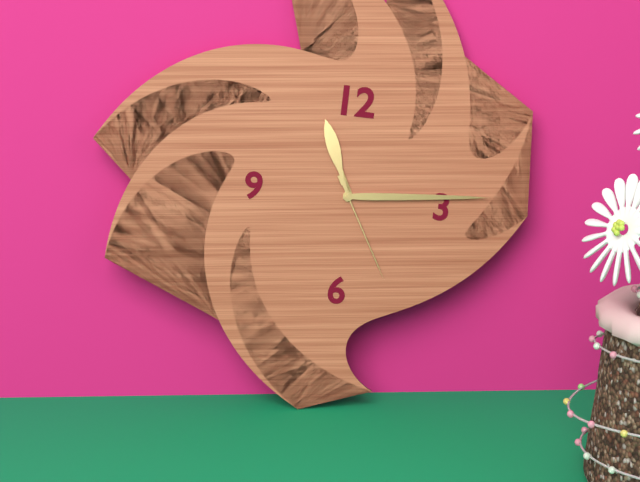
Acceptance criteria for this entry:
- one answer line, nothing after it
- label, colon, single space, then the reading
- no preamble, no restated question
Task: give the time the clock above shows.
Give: 11:14:25
